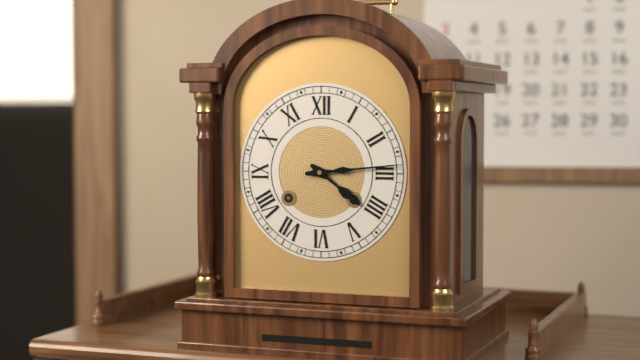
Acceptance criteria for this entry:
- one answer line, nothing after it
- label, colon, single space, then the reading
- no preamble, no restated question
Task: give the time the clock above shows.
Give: 4:14
